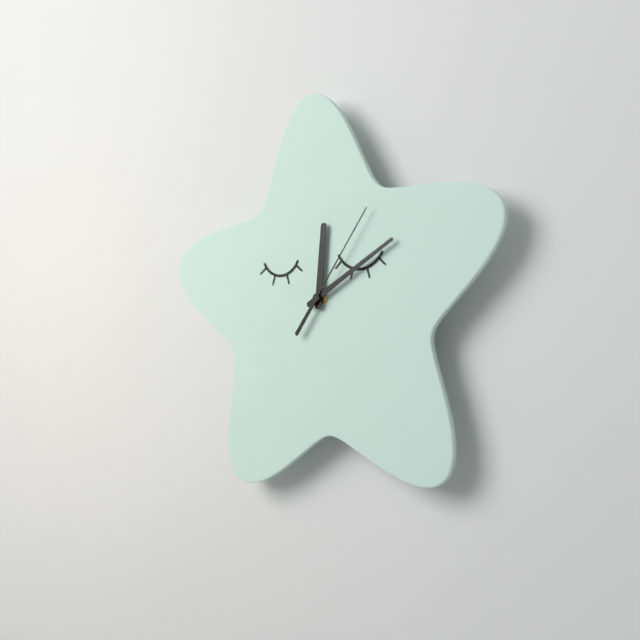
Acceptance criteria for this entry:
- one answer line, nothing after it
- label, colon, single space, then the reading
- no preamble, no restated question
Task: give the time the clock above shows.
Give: 12:10:06
